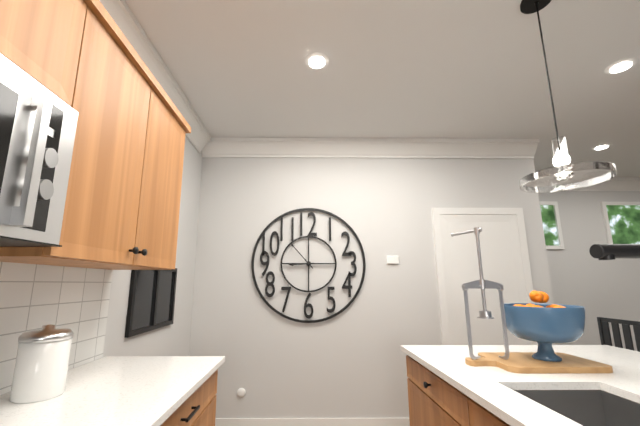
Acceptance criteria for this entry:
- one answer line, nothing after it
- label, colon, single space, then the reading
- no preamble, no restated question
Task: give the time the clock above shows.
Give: 8:53
